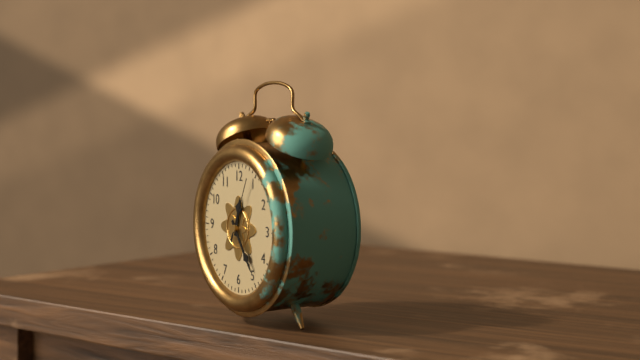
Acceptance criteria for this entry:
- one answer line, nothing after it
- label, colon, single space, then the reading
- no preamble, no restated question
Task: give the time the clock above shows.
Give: 12:24:04
